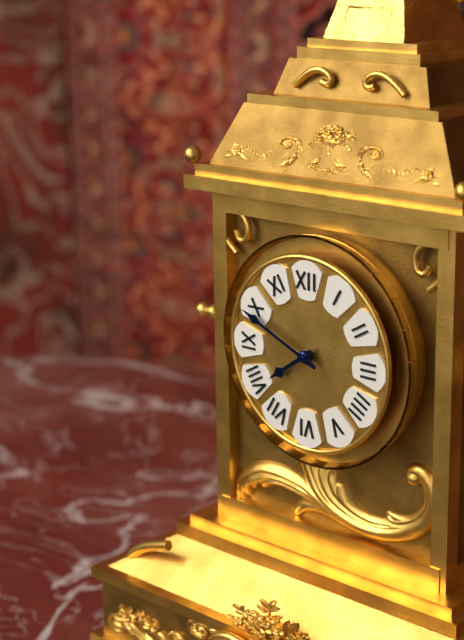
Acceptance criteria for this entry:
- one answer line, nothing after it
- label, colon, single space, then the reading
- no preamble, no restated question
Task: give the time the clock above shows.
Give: 7:49
